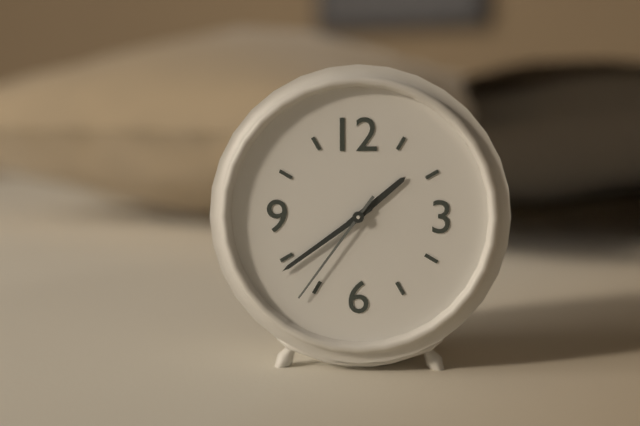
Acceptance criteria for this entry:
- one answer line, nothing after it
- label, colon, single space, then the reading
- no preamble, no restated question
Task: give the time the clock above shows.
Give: 1:39:36
